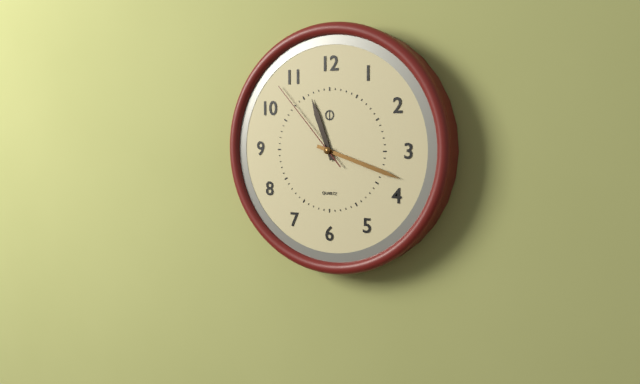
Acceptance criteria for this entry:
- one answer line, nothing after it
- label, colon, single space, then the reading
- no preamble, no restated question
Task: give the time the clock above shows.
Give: 11:18:53
